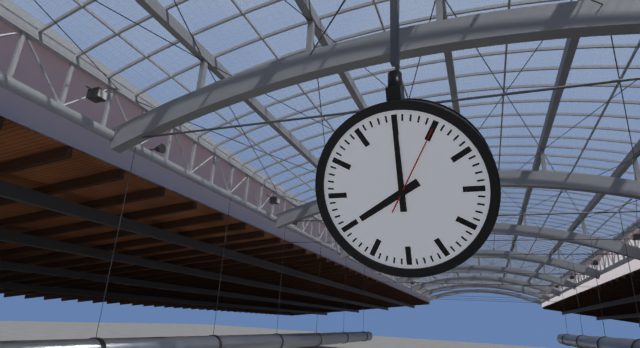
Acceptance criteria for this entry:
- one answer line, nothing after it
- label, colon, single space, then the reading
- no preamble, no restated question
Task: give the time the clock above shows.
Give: 8:00:05
